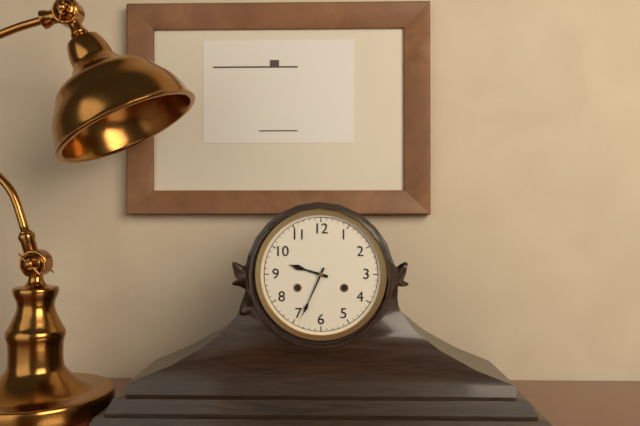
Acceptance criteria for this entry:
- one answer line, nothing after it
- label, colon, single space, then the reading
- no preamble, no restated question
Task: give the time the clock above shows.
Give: 9:34
